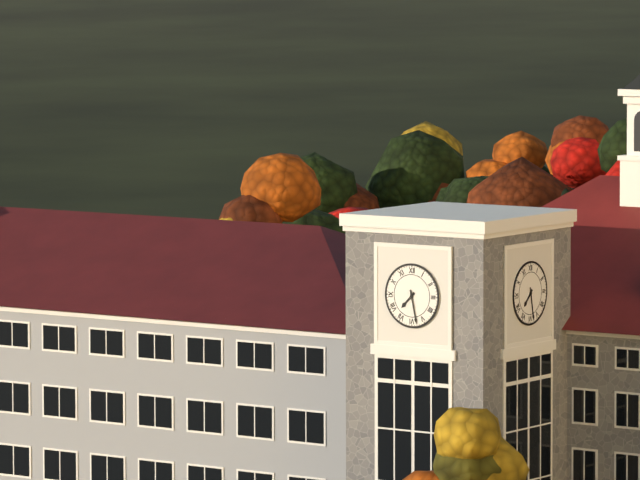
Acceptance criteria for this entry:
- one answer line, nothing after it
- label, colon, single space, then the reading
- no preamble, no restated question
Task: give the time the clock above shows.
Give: 7:28
